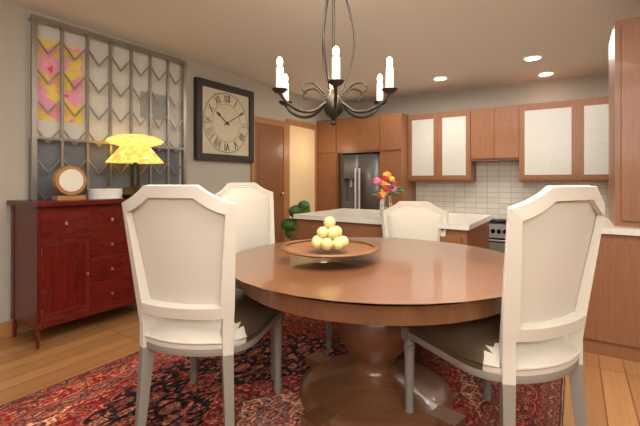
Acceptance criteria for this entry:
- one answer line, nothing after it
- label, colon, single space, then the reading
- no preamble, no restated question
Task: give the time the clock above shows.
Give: 10:10
